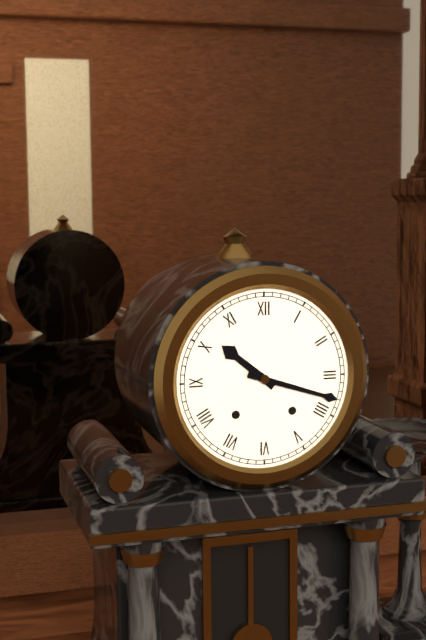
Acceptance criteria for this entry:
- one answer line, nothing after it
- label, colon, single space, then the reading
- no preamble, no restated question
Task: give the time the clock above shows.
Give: 10:18
